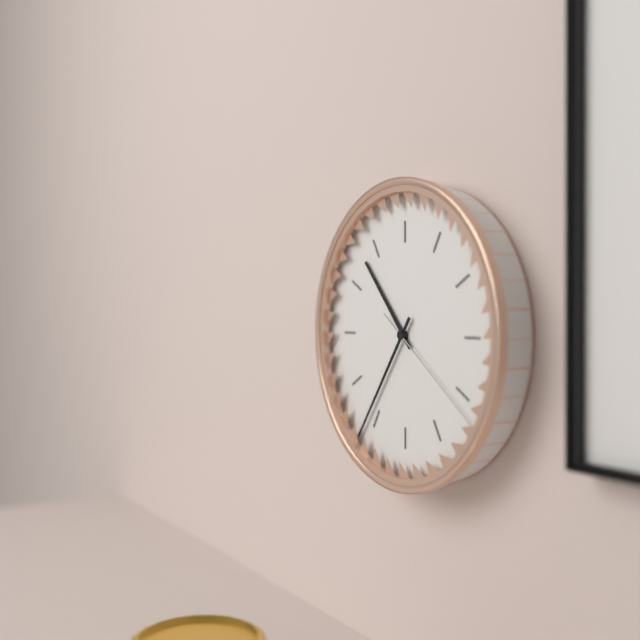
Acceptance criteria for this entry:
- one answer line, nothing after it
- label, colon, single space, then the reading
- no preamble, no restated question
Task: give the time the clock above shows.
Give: 10:36:21
